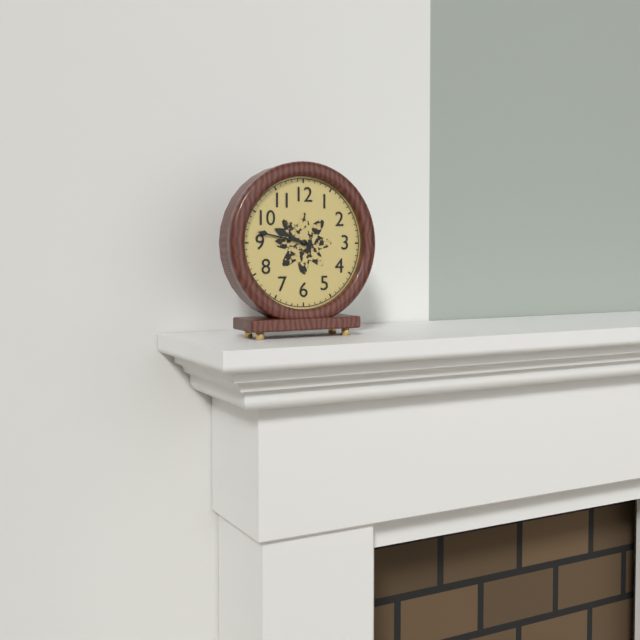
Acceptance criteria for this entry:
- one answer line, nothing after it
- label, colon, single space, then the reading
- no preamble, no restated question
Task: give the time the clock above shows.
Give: 9:47
